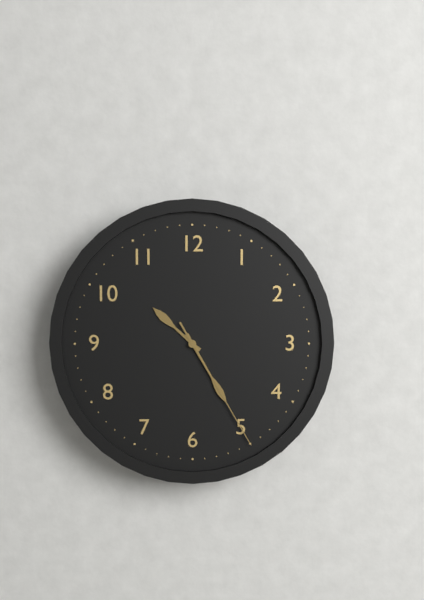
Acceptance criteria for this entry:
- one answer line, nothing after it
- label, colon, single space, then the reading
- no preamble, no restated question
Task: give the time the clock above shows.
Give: 10:25:25
